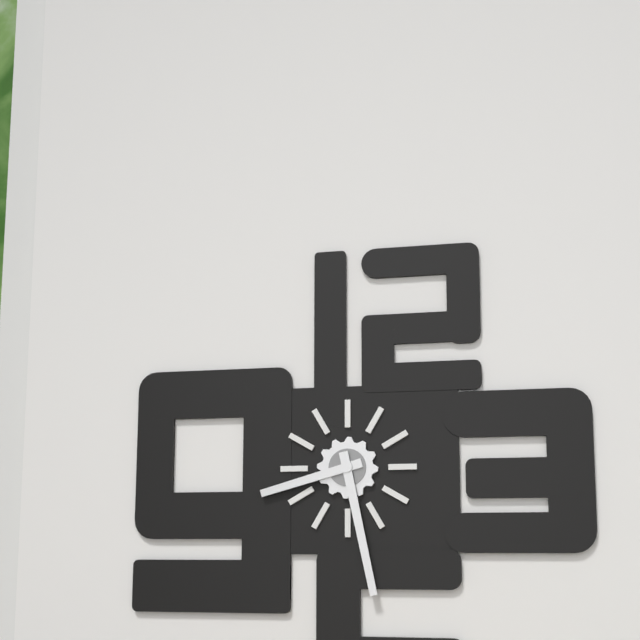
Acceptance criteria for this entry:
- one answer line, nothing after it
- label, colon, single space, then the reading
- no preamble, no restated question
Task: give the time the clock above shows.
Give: 8:28
